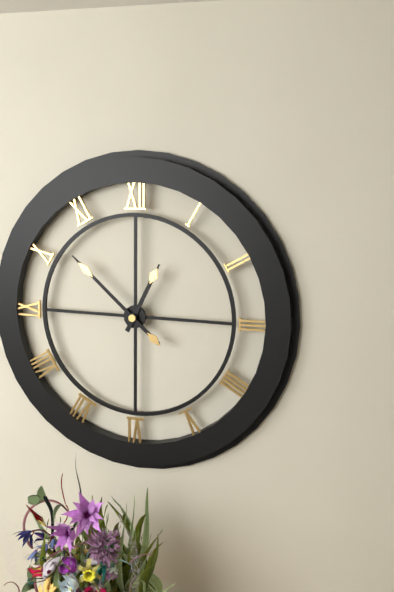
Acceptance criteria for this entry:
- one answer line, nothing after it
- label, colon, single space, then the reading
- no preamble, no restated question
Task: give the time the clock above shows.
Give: 12:52
